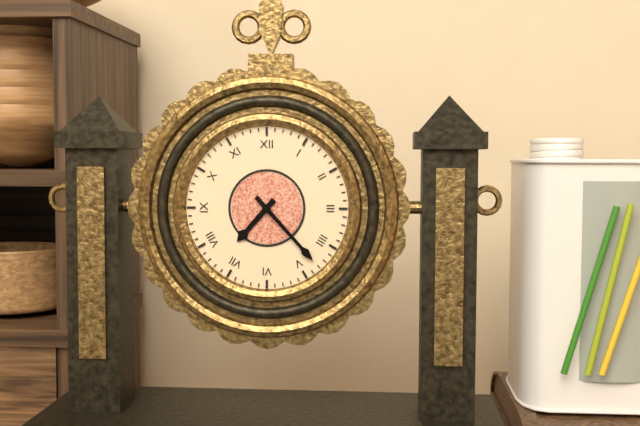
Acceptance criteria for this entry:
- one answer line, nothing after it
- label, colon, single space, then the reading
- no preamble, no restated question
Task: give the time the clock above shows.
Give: 7:23
